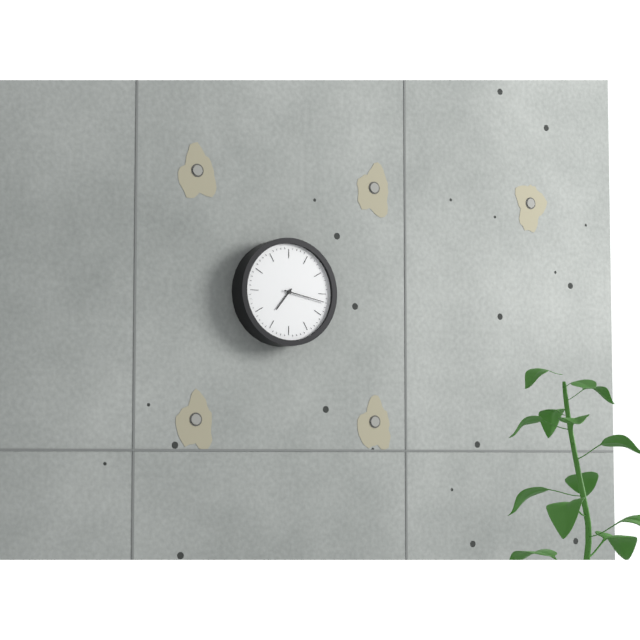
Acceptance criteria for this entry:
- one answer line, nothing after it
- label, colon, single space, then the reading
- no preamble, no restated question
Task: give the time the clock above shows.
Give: 7:17
